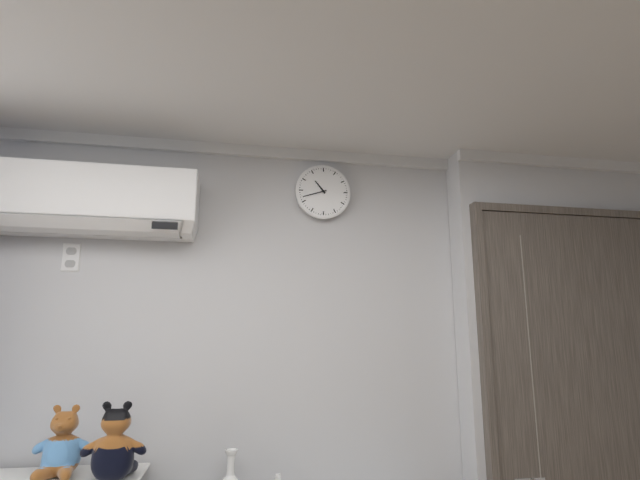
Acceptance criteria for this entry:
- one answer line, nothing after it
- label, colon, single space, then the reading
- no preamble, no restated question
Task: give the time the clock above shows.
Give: 10:42
